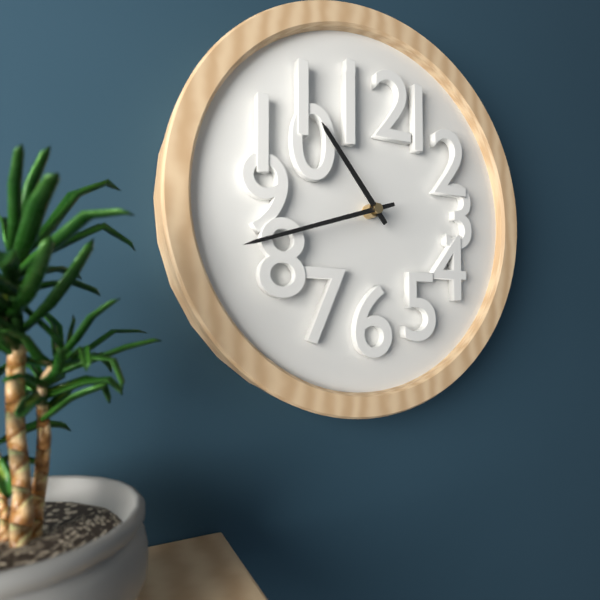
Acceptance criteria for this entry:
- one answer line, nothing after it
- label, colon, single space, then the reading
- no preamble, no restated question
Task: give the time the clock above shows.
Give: 10:42
